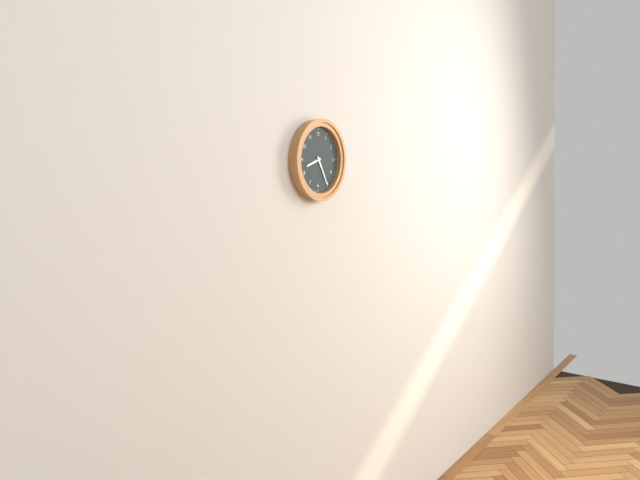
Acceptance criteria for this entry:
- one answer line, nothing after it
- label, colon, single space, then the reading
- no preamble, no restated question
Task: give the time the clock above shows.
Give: 8:25
